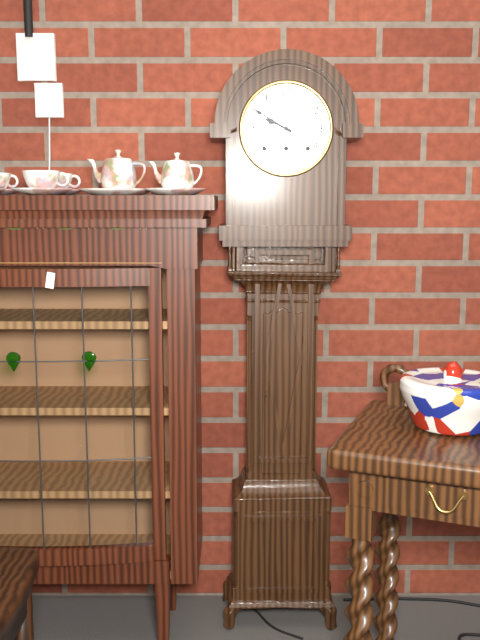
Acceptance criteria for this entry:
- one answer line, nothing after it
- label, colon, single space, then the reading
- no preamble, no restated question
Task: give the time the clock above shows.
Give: 9:50
